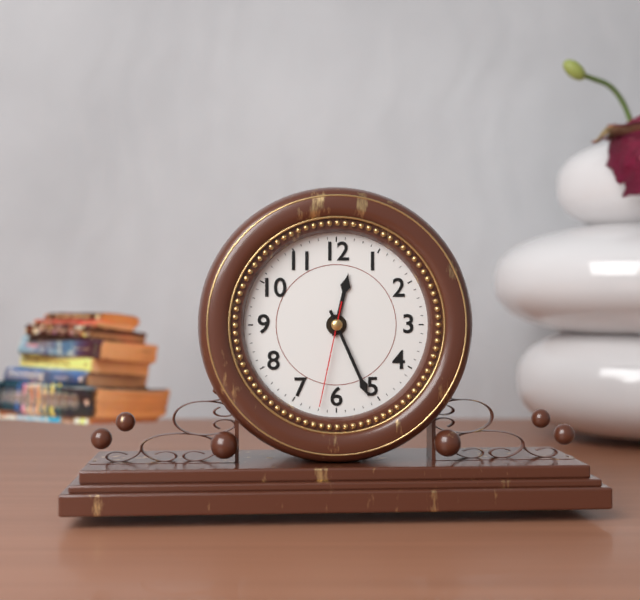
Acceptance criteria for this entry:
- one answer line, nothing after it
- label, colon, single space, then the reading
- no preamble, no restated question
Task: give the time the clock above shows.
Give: 12:26:32
